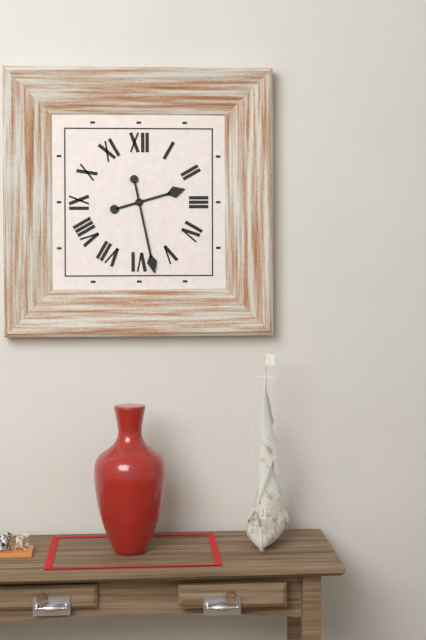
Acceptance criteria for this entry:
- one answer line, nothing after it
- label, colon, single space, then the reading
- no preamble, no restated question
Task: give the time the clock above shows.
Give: 2:28
